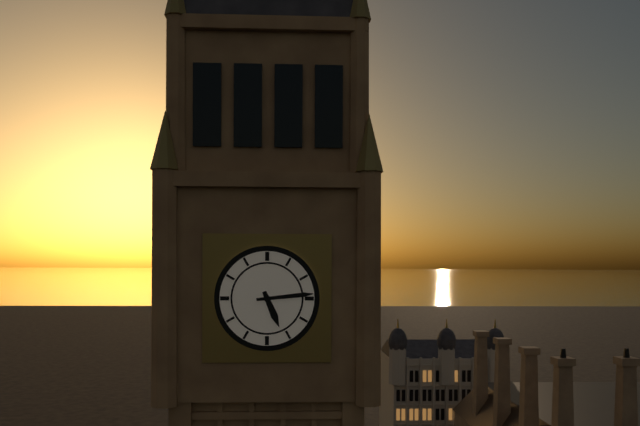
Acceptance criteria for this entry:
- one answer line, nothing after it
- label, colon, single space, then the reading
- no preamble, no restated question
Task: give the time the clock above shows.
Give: 5:14
